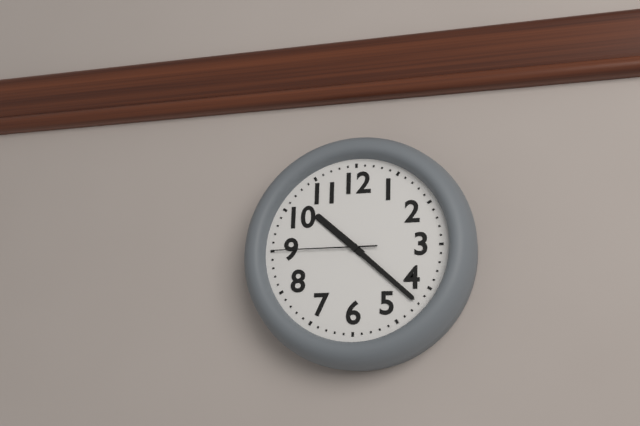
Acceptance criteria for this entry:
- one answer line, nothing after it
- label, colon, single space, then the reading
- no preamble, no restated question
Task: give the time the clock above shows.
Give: 10:22:45
